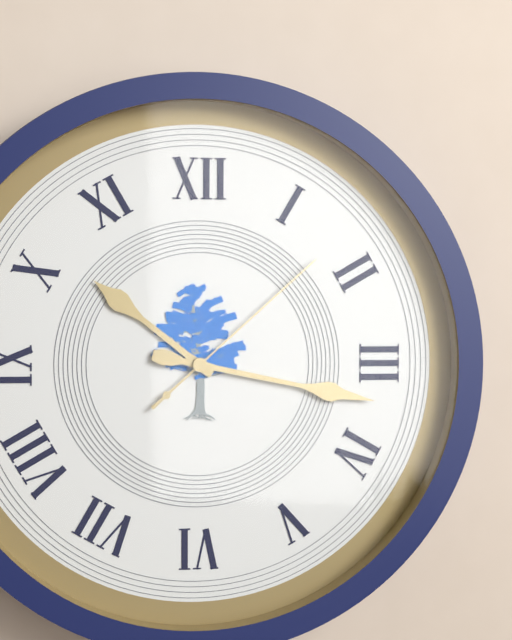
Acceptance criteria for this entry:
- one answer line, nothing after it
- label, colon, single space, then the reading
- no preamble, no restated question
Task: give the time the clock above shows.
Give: 10:17:08
